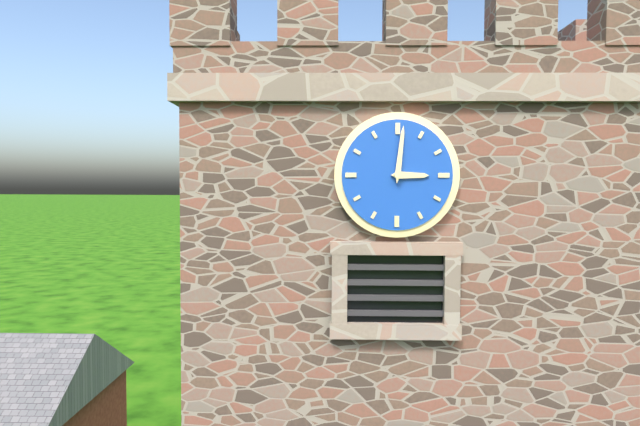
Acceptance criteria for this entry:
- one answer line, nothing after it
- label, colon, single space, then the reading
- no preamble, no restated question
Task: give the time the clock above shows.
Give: 3:01
